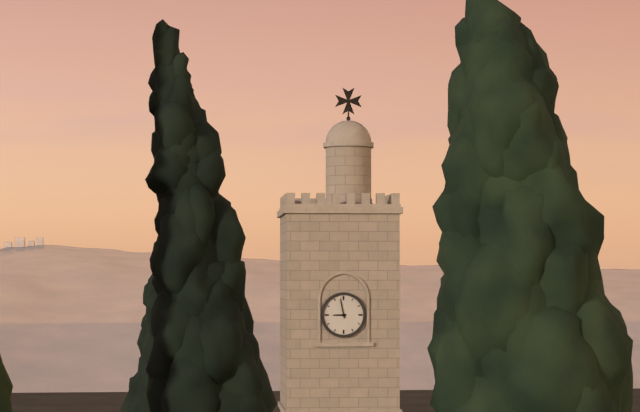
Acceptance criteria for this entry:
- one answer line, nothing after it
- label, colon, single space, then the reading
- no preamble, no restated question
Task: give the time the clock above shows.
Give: 8:58
